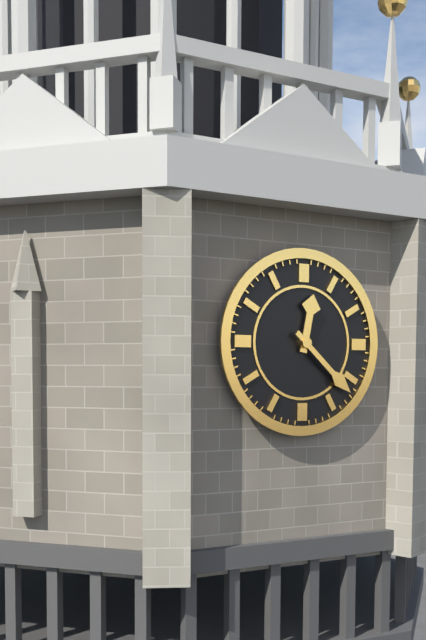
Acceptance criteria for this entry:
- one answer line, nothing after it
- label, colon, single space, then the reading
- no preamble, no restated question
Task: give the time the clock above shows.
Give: 12:22
